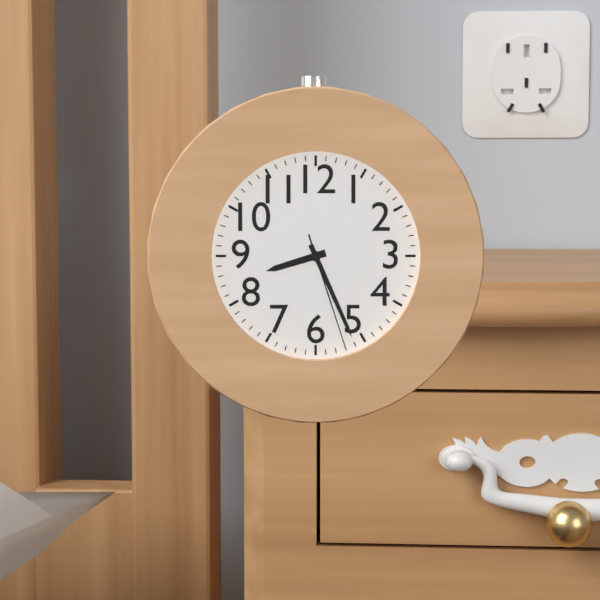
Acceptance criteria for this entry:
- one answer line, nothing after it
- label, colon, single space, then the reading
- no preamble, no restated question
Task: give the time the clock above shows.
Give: 8:26:27
